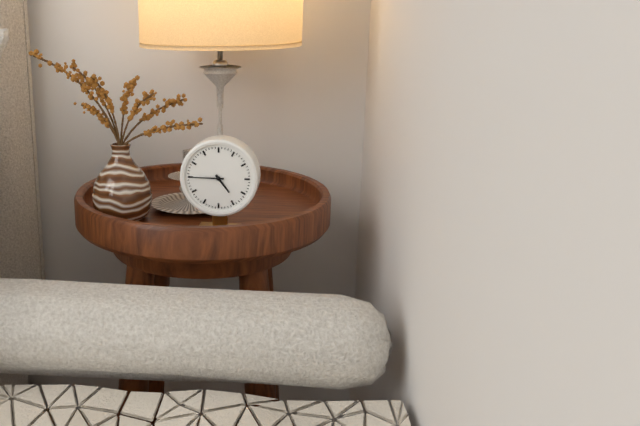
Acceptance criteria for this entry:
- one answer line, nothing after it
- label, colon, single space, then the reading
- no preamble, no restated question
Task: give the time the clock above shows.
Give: 4:45
